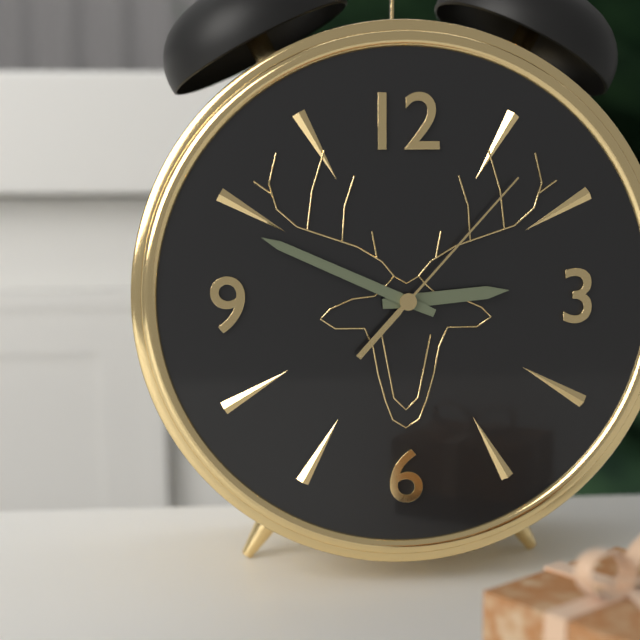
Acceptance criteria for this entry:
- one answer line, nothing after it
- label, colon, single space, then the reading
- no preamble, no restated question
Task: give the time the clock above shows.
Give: 2:49:07
